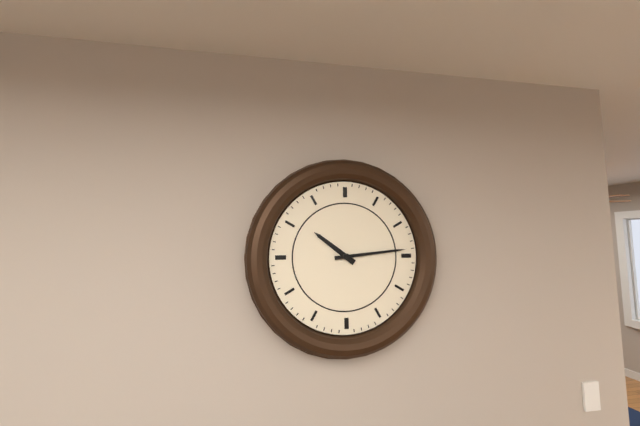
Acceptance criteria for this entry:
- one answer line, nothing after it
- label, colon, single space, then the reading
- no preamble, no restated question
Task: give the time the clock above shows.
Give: 10:14
